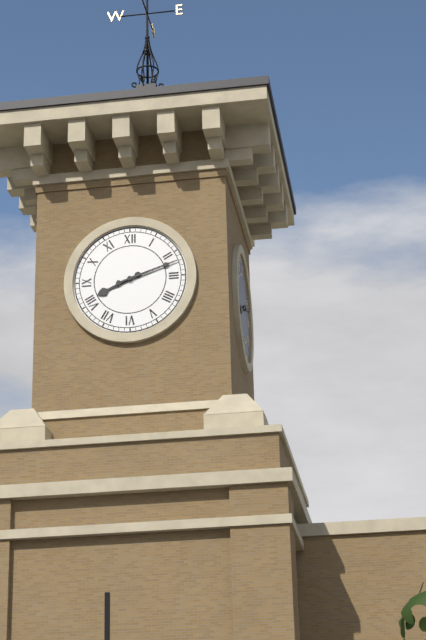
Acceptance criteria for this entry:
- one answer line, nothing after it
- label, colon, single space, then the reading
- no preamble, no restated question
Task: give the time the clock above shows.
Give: 8:12
